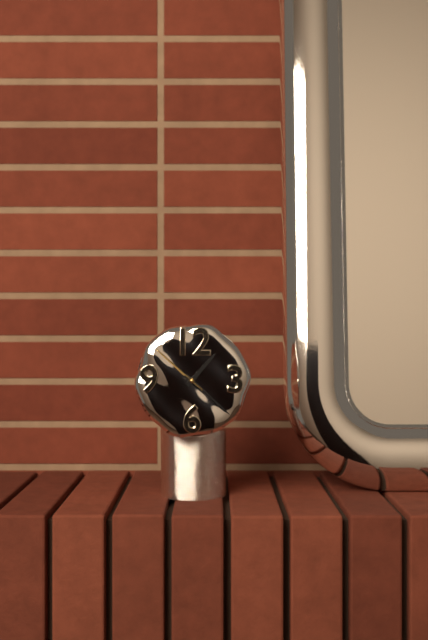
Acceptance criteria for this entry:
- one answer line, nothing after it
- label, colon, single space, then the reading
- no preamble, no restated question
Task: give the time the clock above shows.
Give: 1:22:52
